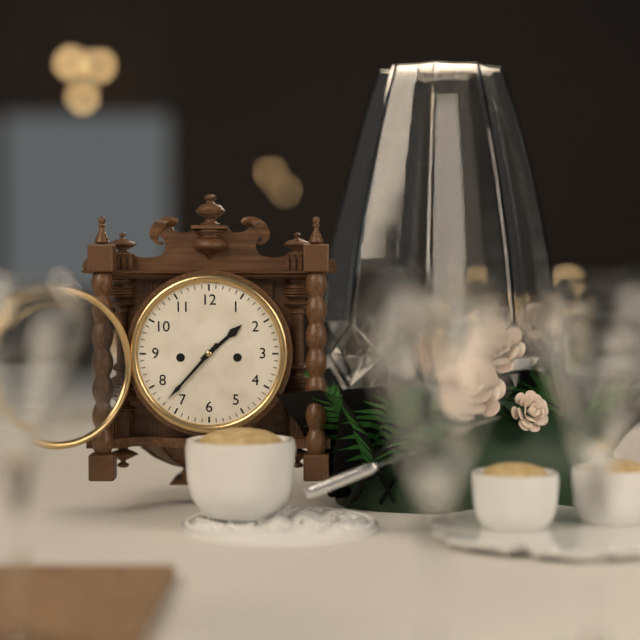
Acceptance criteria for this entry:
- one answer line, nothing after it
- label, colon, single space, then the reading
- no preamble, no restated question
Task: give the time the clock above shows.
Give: 1:37
